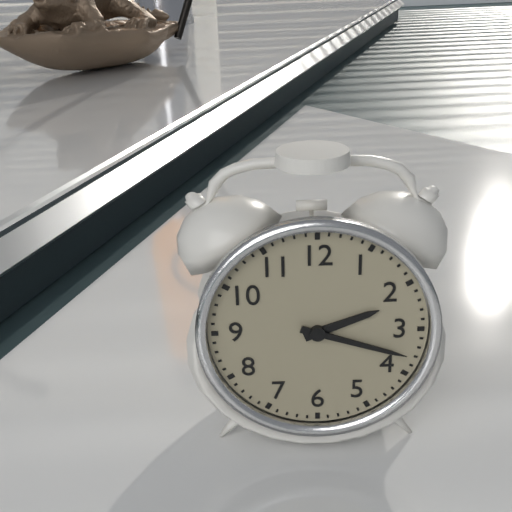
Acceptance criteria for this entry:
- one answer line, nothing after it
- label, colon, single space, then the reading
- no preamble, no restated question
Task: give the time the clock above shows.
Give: 2:18
